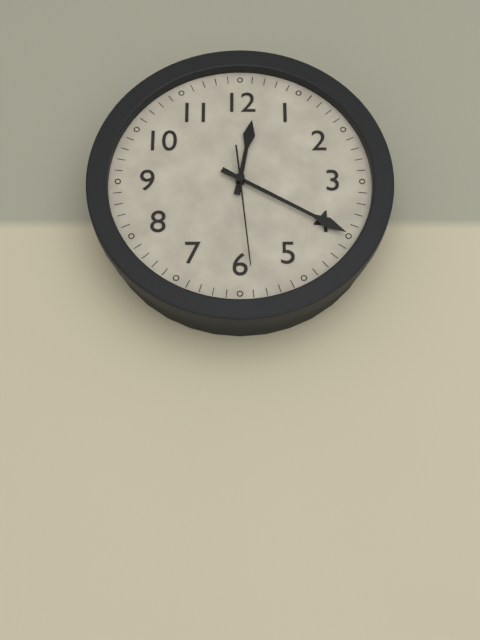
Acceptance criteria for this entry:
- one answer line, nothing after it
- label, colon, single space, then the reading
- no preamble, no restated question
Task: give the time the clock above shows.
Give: 12:20:29
